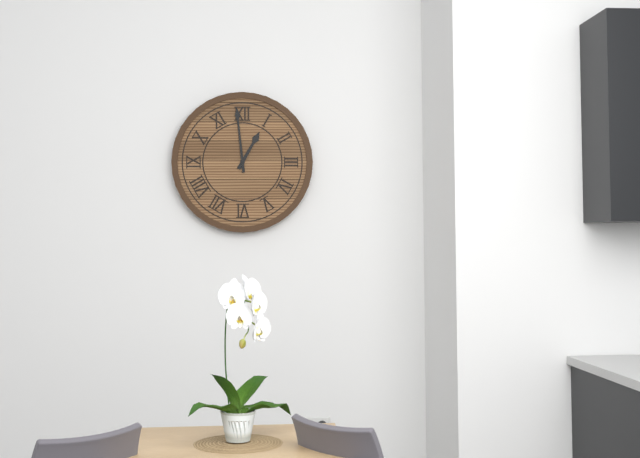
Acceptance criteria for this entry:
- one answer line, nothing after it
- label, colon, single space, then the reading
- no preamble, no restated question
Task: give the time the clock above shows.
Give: 12:59
